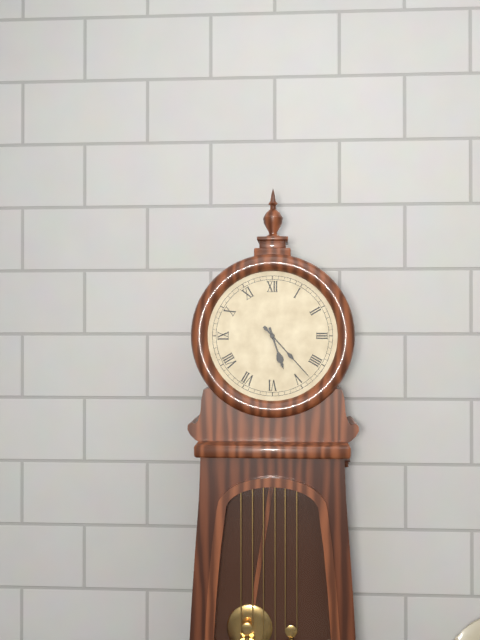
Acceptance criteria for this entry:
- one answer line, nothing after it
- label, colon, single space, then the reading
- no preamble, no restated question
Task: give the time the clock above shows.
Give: 5:23
